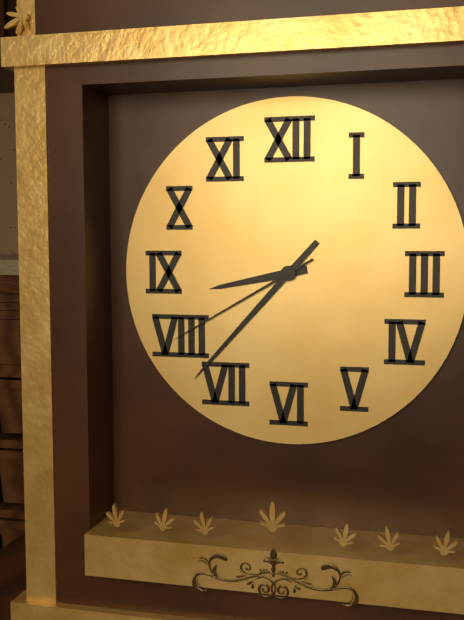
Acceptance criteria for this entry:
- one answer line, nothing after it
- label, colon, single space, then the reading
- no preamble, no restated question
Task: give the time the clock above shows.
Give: 8:37:40
